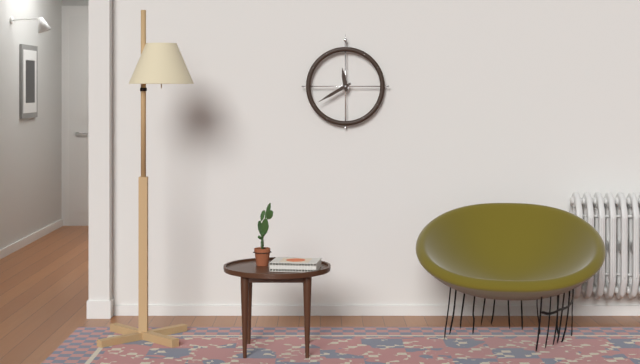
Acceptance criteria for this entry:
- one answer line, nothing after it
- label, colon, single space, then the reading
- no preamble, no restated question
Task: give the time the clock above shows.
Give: 11:40
